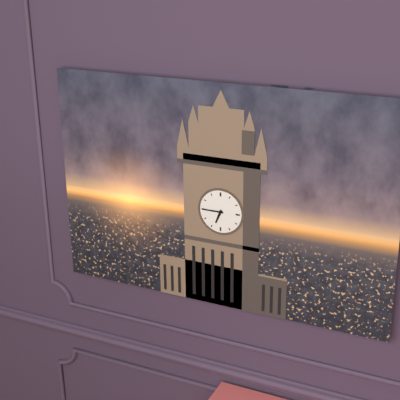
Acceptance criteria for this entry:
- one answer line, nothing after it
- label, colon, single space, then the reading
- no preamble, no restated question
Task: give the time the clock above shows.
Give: 6:45
